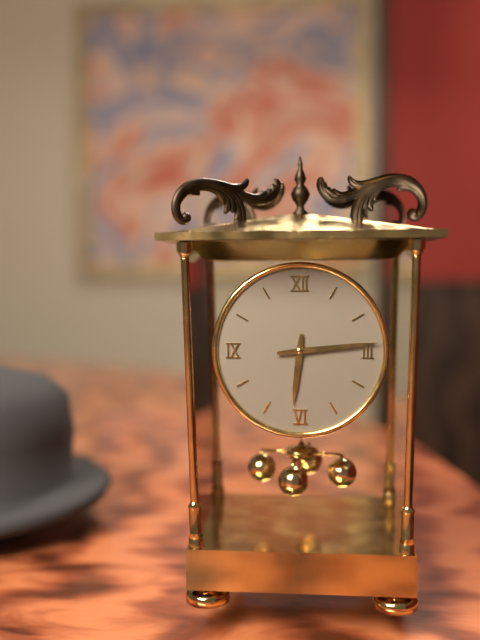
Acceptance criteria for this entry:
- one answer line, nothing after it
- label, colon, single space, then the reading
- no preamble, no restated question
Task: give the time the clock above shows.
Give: 6:14
